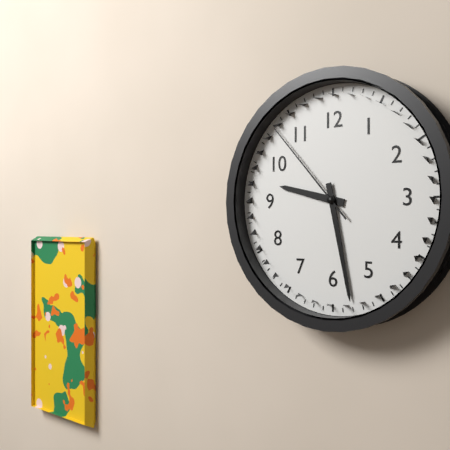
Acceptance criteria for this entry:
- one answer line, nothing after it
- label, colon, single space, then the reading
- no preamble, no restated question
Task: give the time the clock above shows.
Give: 9:28:53
